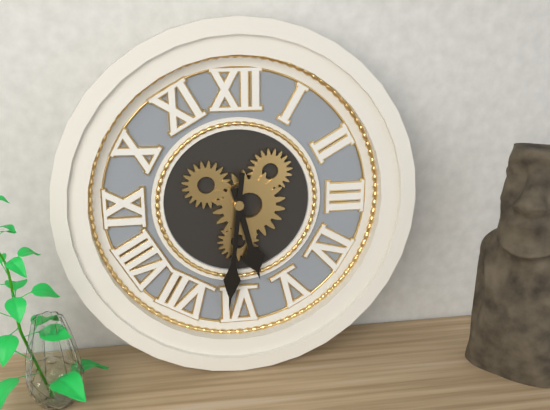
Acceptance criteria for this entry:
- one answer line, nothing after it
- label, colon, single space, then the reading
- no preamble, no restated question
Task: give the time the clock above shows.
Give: 5:31
